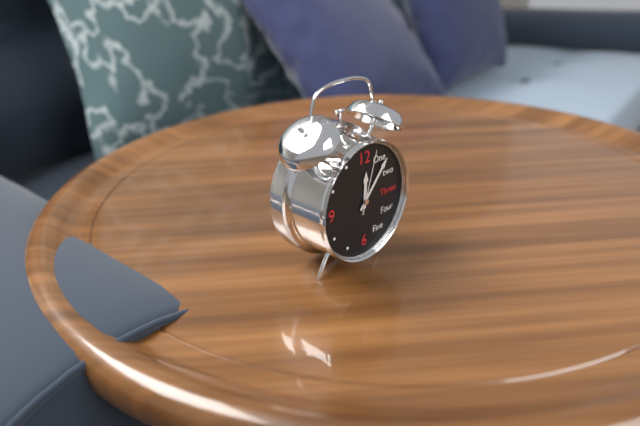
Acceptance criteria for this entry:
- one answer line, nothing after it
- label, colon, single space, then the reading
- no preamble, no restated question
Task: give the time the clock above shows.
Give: 12:07:03
